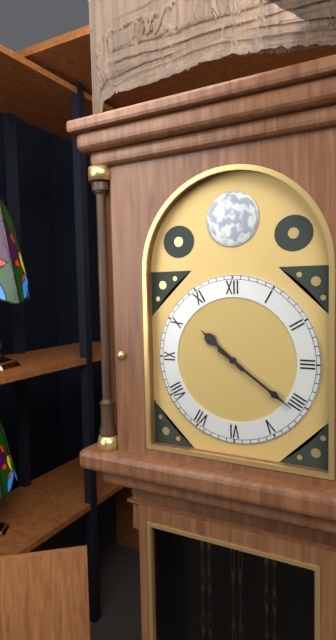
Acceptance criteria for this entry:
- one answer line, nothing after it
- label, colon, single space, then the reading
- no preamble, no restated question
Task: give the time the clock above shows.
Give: 10:21
